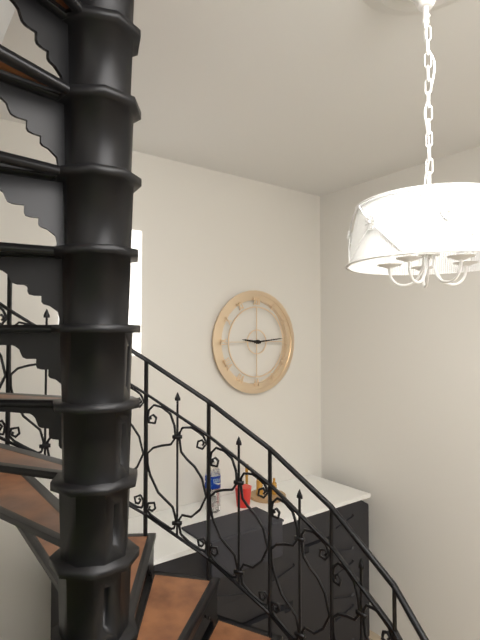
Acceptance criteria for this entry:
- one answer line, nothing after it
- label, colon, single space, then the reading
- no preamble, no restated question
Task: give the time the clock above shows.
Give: 9:14
